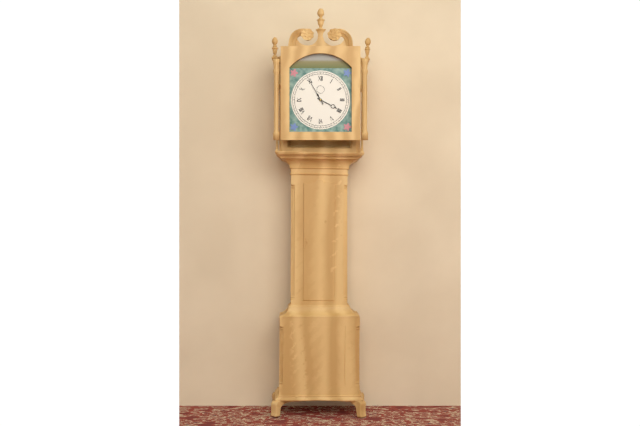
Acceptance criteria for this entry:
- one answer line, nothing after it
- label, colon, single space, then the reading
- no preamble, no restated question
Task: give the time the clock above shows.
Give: 3:55
